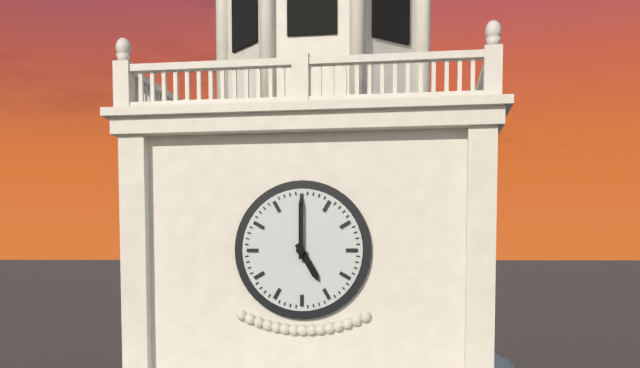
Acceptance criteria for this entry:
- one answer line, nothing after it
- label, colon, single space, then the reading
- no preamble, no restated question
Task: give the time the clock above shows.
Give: 5:00
